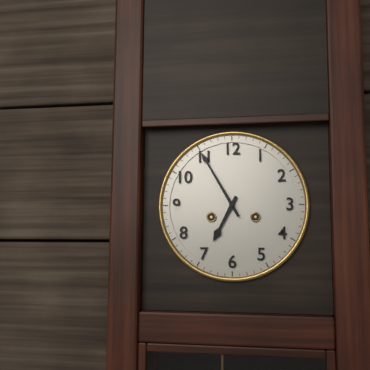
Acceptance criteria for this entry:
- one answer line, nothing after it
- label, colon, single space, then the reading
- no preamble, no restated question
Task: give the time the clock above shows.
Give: 6:55
